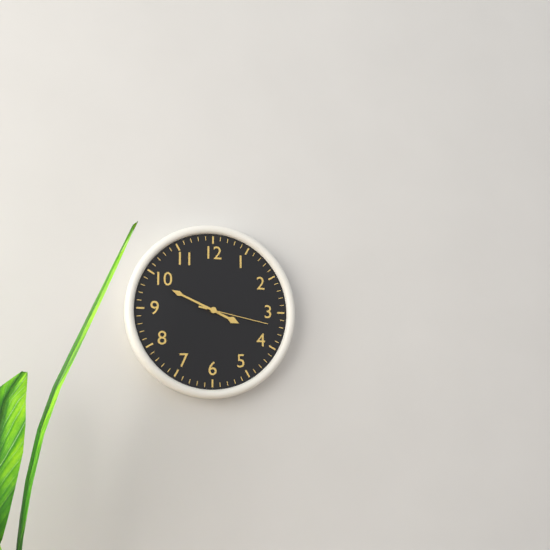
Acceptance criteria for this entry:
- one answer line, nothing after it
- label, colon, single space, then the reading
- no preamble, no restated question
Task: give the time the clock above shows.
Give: 3:49:17
